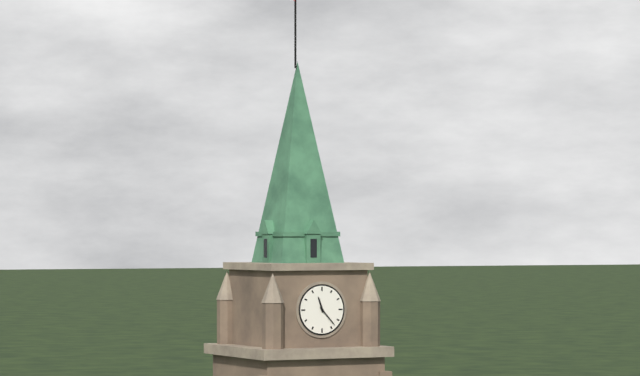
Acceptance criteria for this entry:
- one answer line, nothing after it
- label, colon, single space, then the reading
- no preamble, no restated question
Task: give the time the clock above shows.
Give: 11:23
